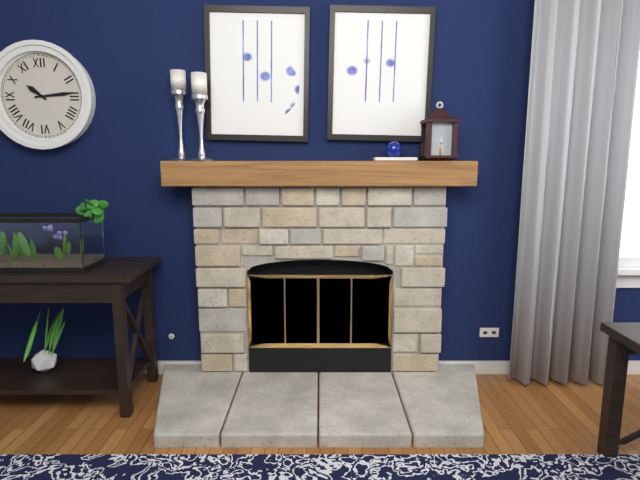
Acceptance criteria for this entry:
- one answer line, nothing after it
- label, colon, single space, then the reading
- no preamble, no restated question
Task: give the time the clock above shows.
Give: 10:14
